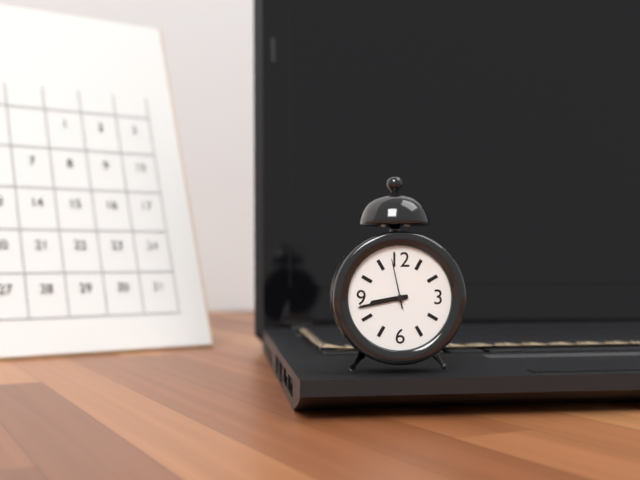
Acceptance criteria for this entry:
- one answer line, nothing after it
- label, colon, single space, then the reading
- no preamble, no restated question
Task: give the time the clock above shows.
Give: 8:43:58
